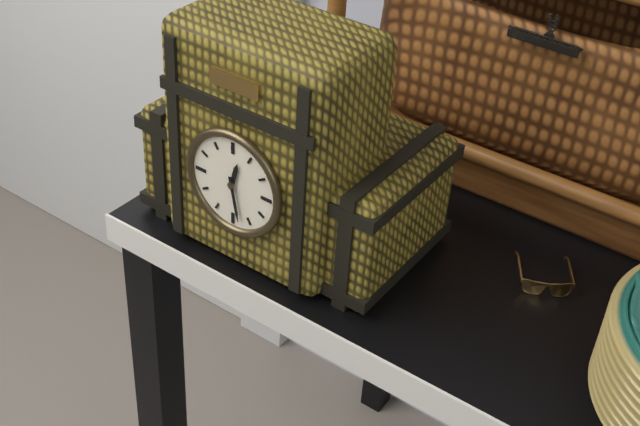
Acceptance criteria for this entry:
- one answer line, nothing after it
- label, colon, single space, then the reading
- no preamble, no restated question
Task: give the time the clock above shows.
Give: 12:28
